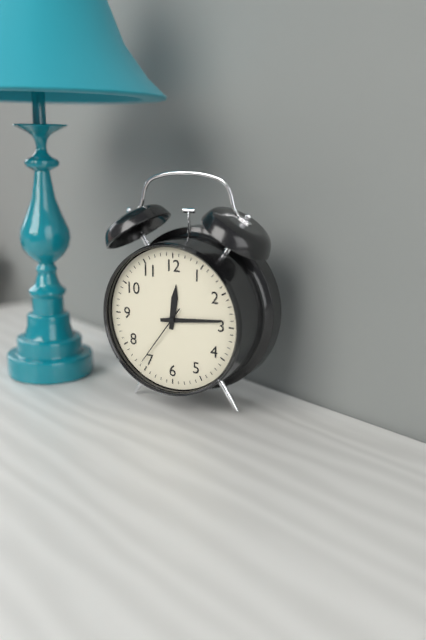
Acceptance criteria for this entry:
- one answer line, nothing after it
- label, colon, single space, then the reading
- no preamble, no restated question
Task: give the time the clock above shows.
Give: 12:14:36
